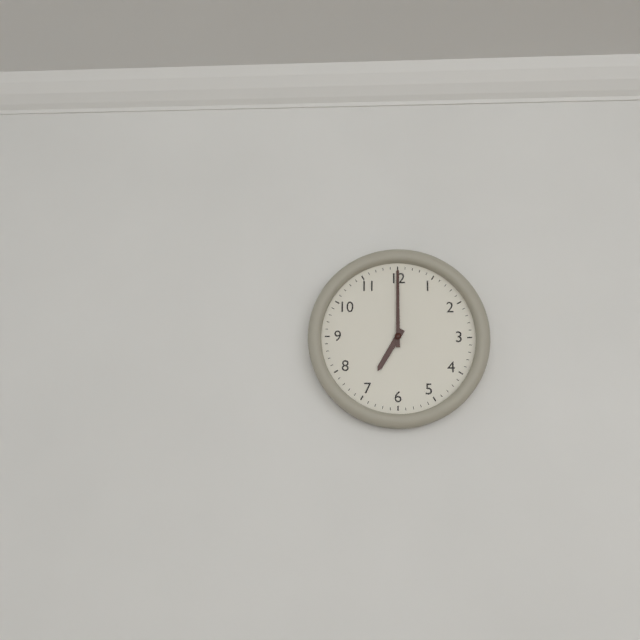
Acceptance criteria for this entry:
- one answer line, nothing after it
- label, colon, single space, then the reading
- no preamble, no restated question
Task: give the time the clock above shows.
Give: 7:00
